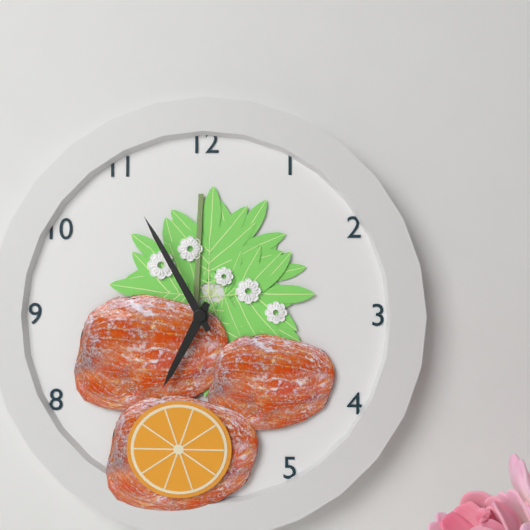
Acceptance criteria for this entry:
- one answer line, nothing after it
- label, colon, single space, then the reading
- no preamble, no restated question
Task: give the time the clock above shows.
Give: 6:55
